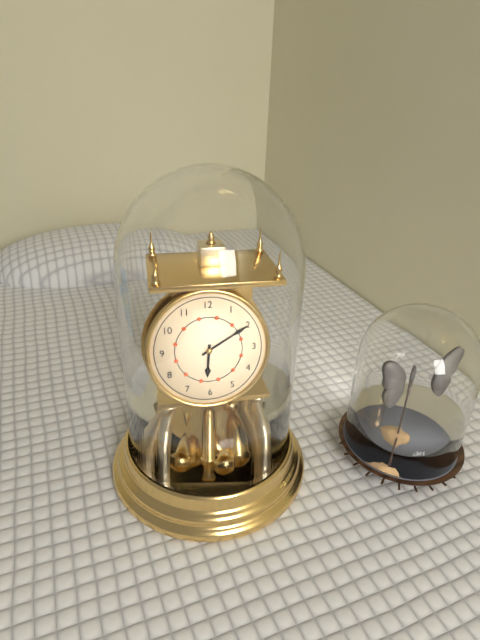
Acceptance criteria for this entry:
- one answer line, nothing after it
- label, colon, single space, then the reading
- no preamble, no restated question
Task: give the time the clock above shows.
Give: 6:10
